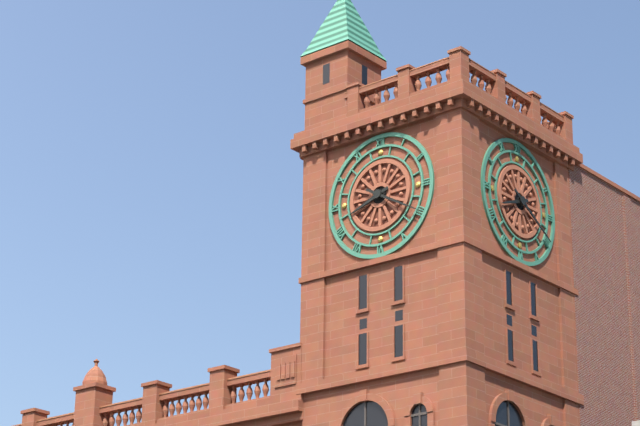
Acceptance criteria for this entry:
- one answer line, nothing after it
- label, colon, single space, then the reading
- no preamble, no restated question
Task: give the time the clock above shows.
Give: 8:20
